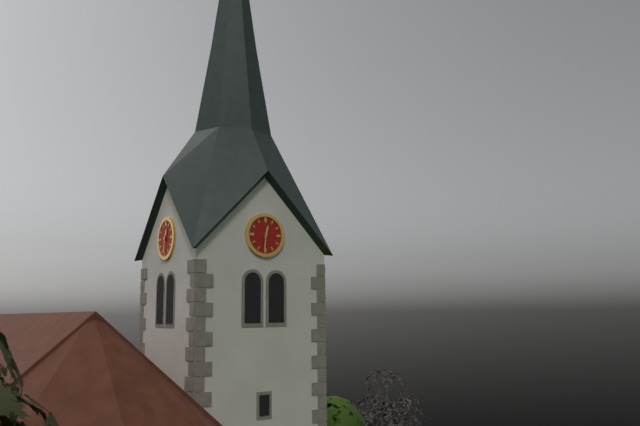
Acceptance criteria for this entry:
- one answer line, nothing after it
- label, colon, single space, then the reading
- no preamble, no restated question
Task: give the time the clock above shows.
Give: 12:31
